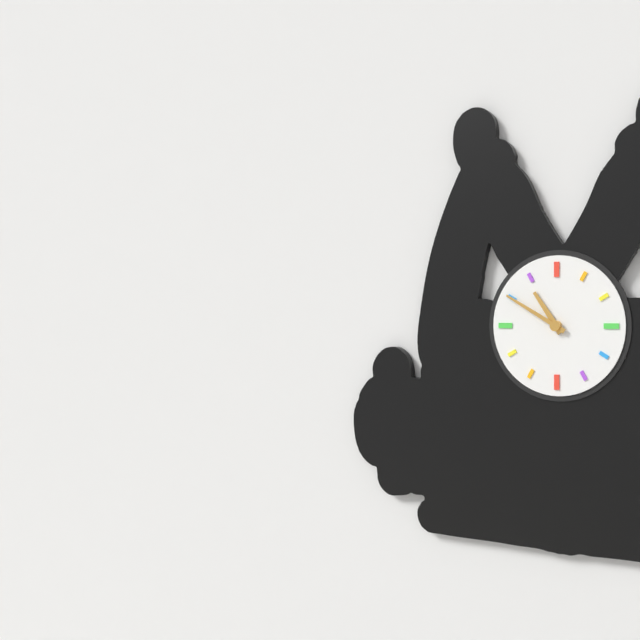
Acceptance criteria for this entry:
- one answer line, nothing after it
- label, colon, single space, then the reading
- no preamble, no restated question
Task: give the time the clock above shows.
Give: 10:50
